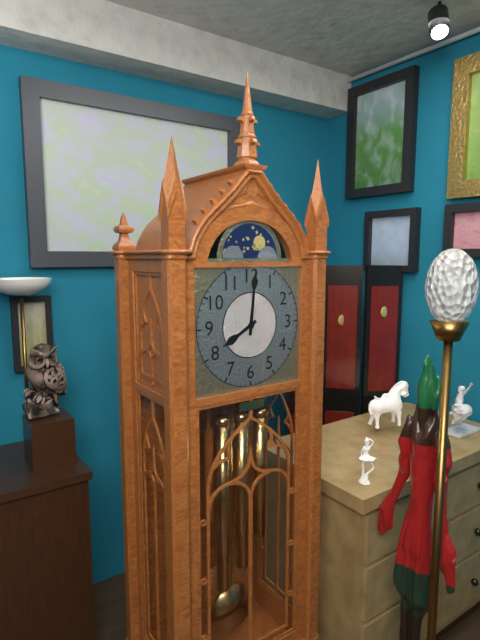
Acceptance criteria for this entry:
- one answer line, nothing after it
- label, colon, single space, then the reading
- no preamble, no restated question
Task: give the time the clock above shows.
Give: 8:01
